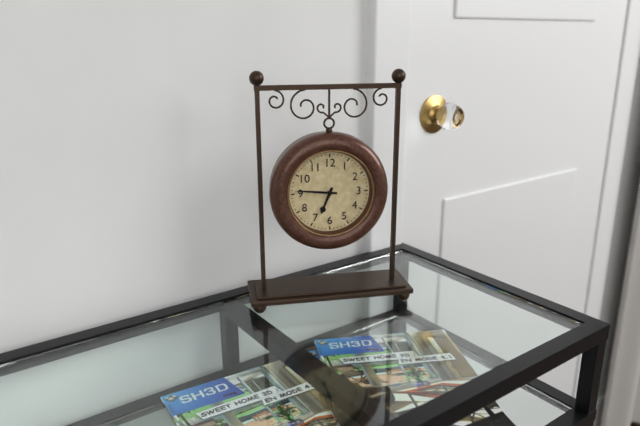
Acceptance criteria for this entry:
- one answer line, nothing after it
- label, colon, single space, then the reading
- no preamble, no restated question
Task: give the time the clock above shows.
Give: 6:46
